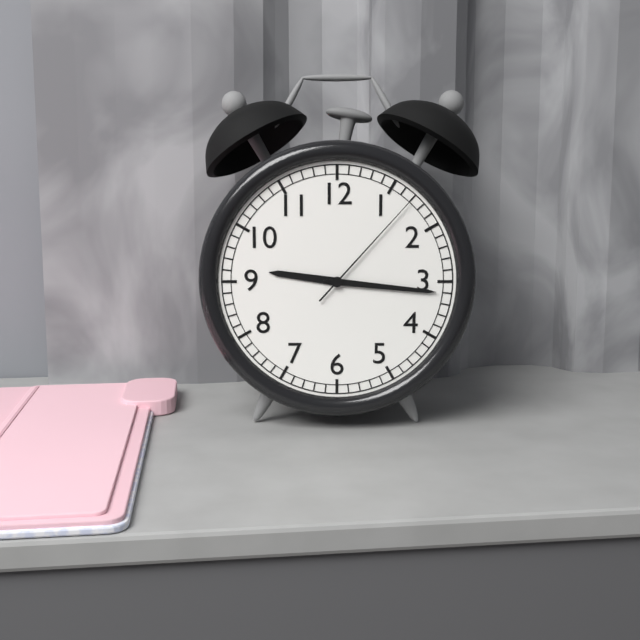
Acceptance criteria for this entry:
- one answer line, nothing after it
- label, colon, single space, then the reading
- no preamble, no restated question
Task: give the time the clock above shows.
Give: 9:16:07
